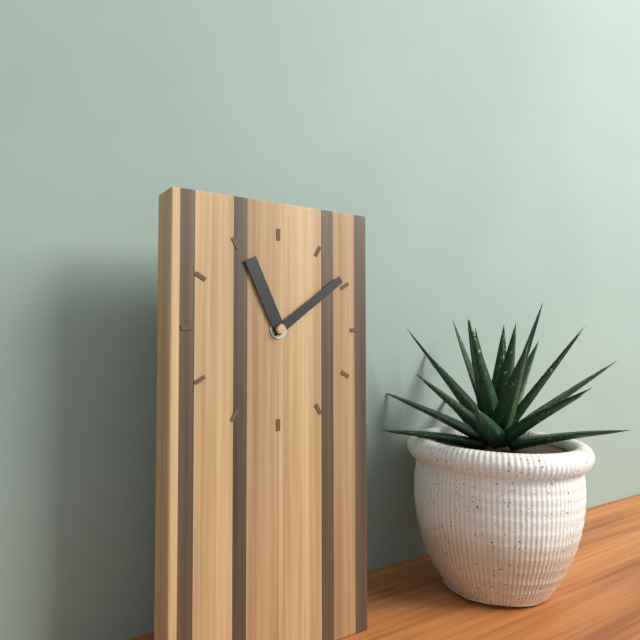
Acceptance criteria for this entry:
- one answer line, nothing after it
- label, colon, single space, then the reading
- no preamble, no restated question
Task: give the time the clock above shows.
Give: 11:09
